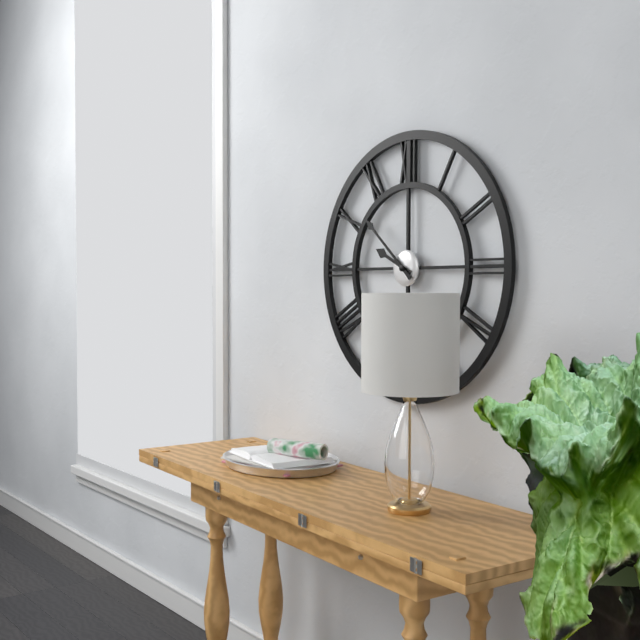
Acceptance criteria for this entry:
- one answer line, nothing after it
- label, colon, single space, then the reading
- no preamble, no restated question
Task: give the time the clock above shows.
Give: 9:52
